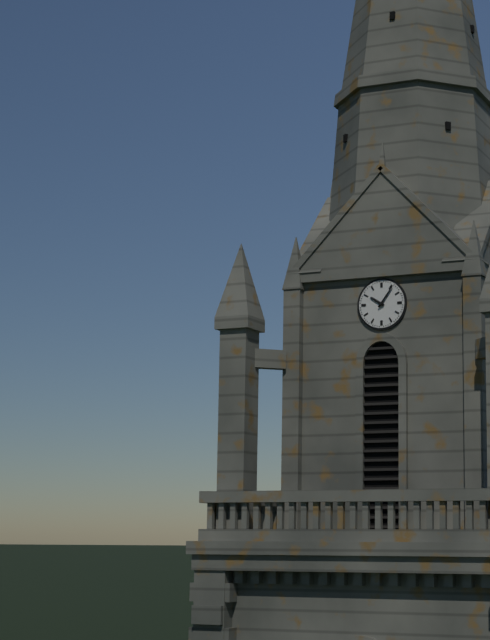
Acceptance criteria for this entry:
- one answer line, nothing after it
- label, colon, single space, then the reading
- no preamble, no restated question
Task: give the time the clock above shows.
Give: 10:06
